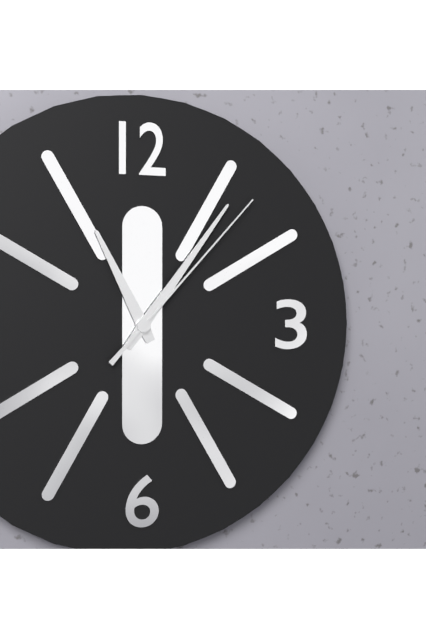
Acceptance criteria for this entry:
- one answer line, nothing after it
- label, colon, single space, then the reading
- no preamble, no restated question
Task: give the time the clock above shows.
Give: 11:06:07
